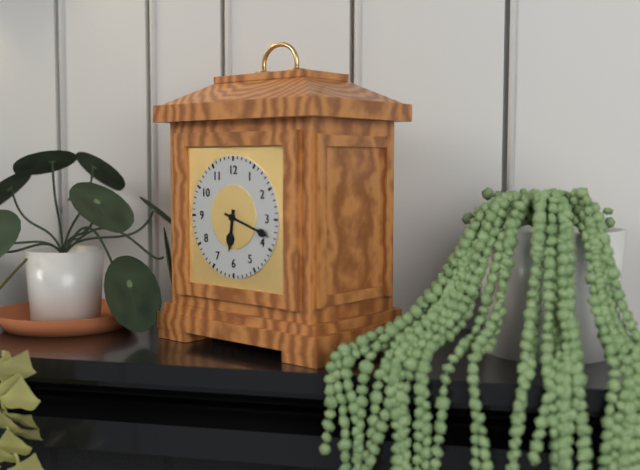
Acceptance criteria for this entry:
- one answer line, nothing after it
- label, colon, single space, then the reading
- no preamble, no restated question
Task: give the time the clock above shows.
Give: 6:18
